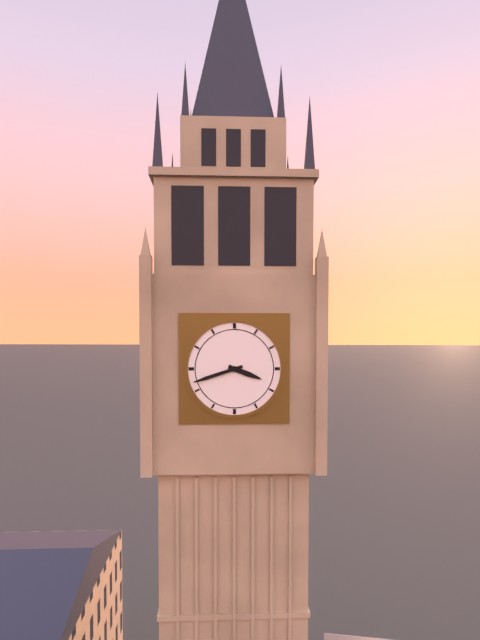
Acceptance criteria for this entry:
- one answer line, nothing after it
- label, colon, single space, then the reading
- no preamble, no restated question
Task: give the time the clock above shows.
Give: 3:42
